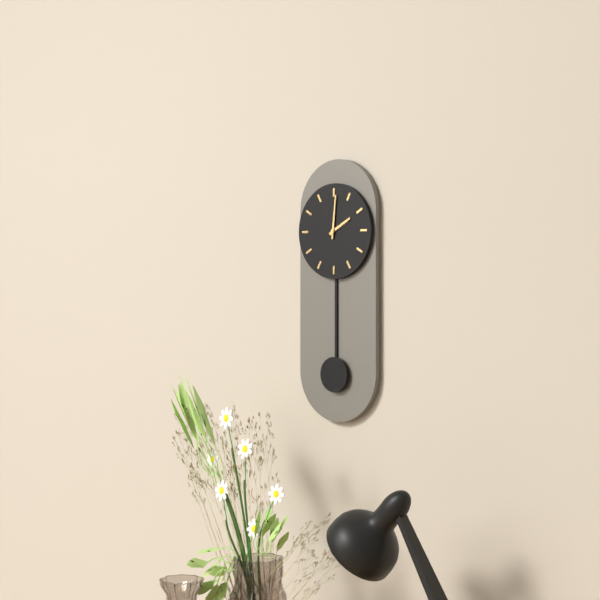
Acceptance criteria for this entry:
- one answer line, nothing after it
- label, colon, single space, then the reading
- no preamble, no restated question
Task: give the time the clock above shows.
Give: 2:01
